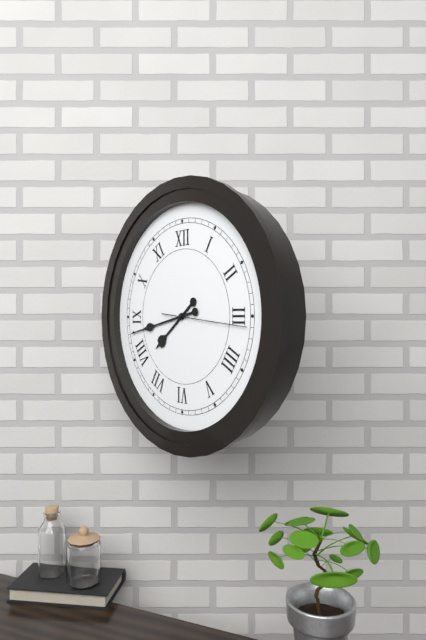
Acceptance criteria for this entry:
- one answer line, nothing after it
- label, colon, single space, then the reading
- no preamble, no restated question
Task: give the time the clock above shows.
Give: 7:43:16
